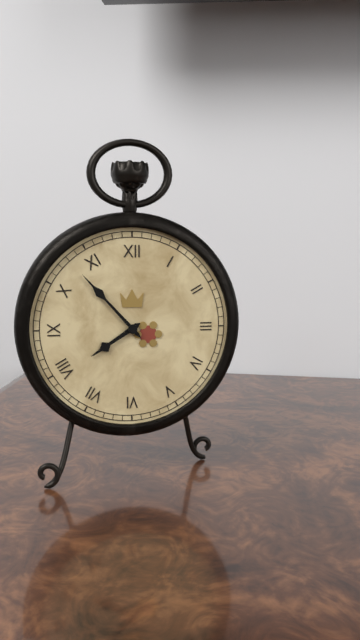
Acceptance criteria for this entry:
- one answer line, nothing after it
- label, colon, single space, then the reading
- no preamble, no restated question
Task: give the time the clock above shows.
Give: 7:53
